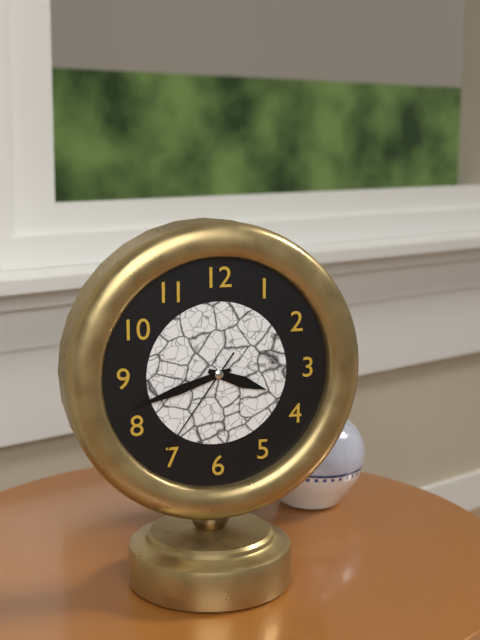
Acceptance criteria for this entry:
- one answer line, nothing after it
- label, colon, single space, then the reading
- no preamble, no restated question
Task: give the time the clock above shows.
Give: 3:42:36
